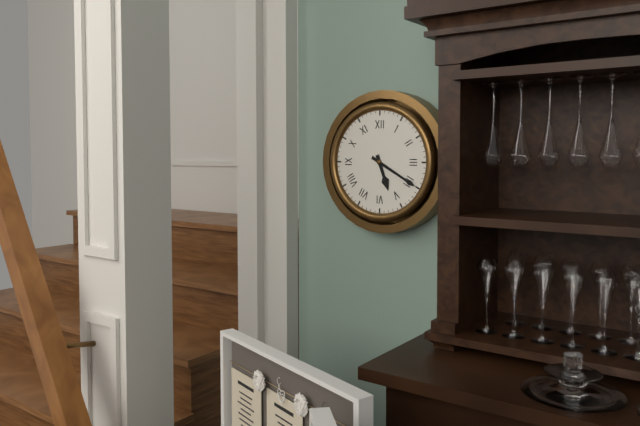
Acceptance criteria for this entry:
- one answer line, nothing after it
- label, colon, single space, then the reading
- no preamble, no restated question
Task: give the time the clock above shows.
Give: 5:20
